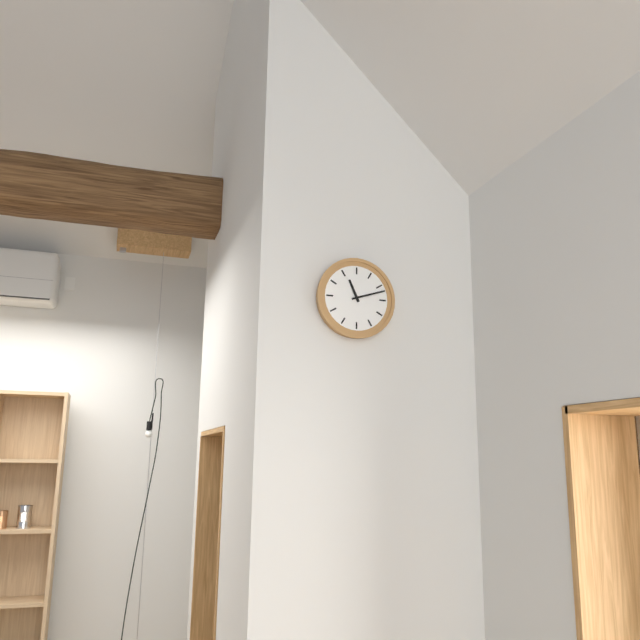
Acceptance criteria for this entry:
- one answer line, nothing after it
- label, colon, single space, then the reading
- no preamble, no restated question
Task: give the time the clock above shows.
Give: 11:12
